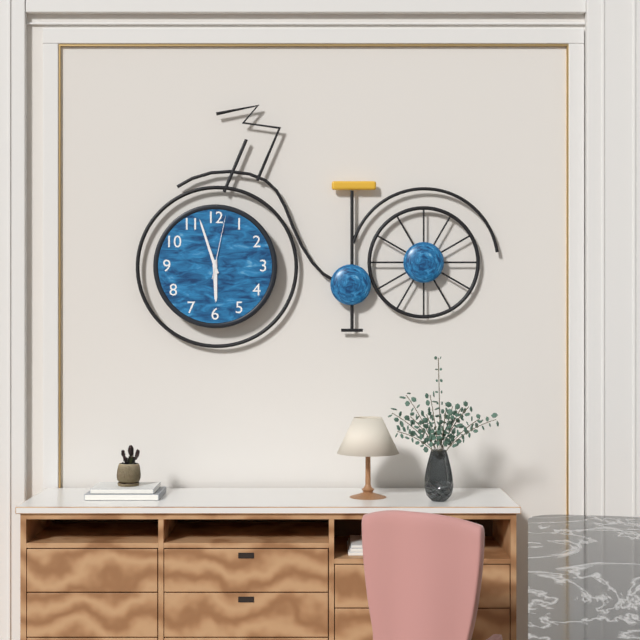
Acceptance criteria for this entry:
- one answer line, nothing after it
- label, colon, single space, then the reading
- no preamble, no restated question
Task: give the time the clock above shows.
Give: 5:57:02
